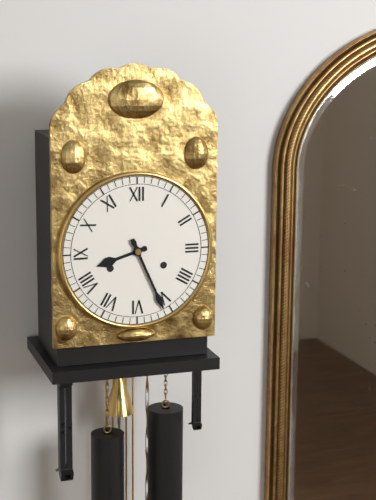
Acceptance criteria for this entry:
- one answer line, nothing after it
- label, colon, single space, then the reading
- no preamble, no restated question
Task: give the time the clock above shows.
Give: 8:26
